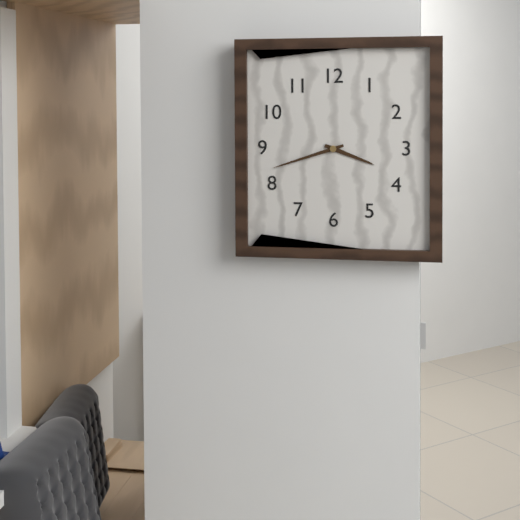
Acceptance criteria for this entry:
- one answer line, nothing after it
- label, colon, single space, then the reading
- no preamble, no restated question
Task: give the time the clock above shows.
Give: 3:42
